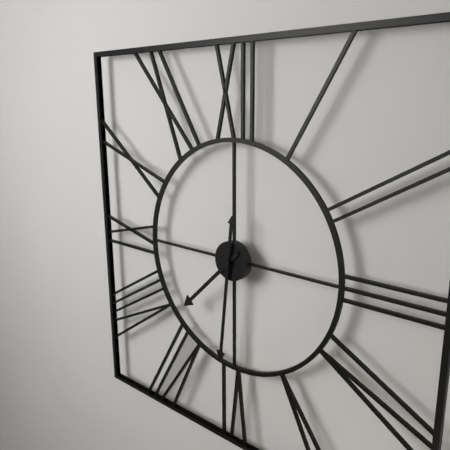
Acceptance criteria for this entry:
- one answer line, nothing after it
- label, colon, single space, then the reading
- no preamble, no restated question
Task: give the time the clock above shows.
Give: 7:31
